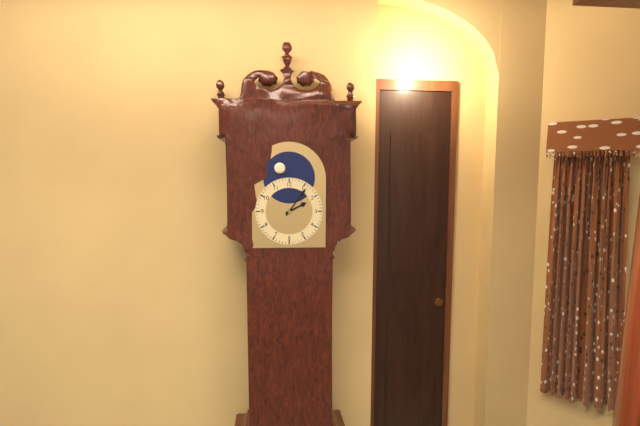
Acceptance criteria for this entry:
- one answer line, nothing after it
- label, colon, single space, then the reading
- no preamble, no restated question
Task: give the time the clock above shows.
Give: 2:06
